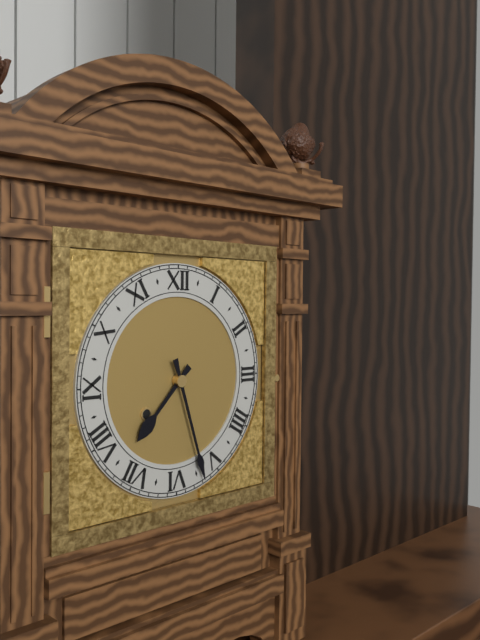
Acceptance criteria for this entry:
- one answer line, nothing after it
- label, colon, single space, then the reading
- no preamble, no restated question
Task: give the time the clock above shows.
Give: 7:27
